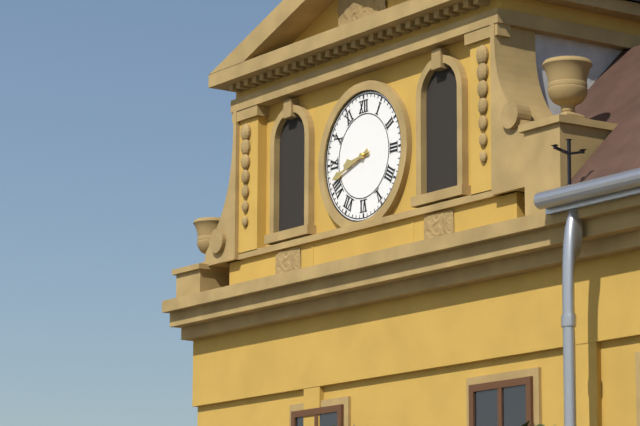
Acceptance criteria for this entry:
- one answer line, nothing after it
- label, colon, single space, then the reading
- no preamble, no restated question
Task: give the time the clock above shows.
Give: 8:42
